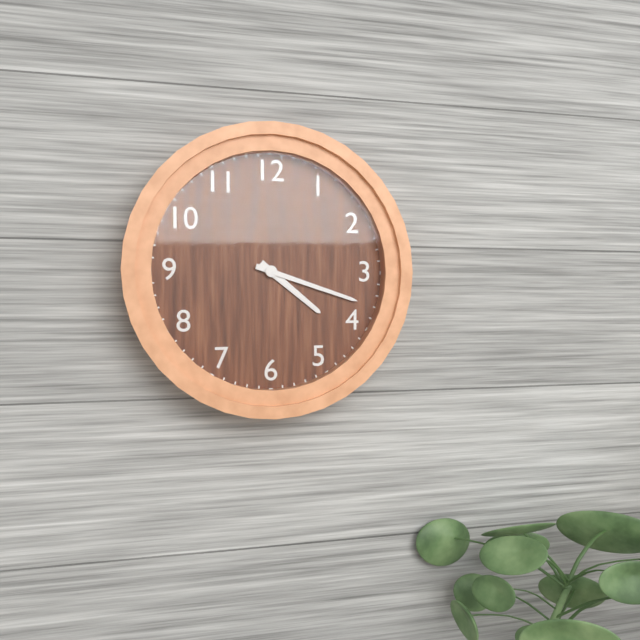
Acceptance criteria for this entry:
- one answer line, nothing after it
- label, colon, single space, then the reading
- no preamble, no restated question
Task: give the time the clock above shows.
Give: 4:18
